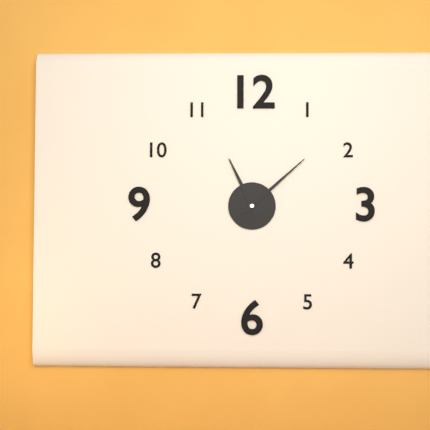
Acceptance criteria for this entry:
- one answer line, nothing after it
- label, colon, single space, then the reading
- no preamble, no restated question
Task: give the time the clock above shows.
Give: 11:08
